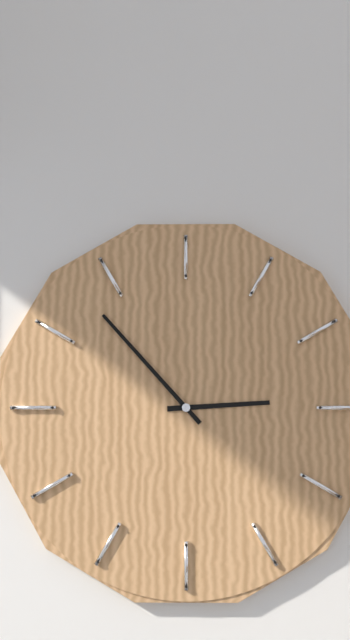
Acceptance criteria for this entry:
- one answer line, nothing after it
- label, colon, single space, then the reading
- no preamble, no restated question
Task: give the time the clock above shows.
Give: 2:53
